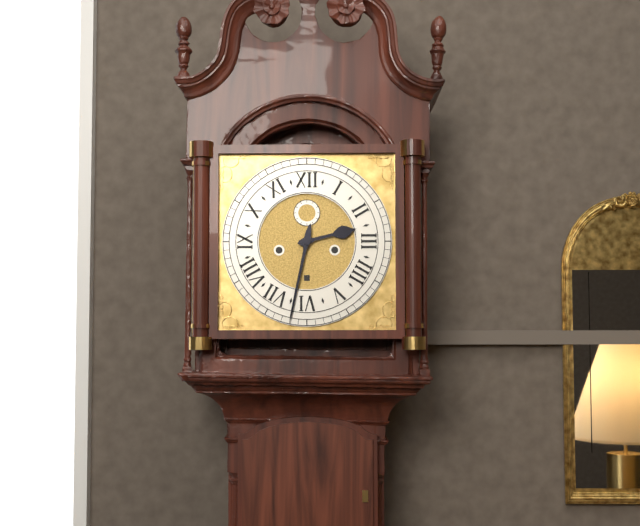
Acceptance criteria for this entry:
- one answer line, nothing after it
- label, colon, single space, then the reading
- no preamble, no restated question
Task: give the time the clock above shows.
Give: 2:32
